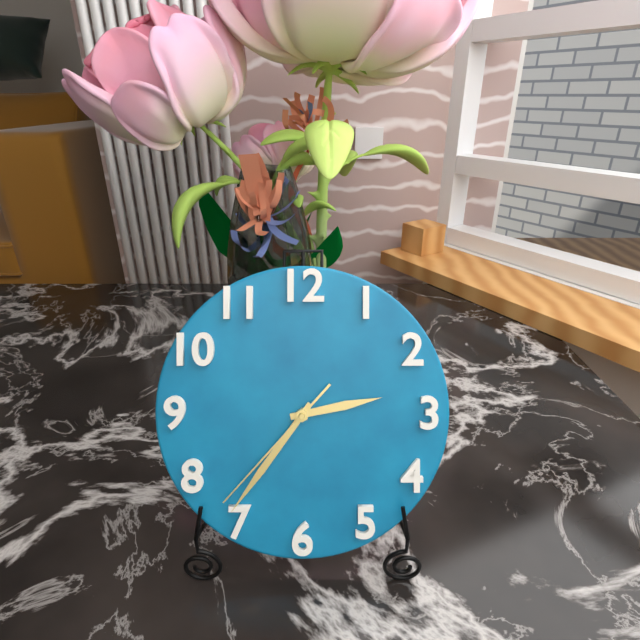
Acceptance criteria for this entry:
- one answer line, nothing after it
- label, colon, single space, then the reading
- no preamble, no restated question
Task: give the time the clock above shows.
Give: 2:36:37
